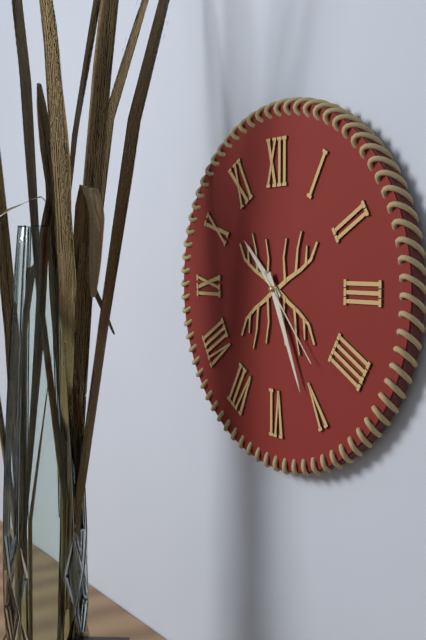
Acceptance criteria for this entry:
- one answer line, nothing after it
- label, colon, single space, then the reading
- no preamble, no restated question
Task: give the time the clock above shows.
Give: 10:26:23
